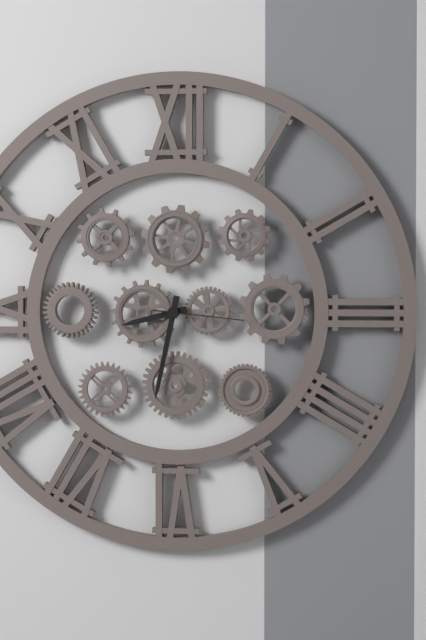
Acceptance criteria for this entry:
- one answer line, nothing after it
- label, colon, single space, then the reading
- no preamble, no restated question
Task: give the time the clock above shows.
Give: 8:32:16
